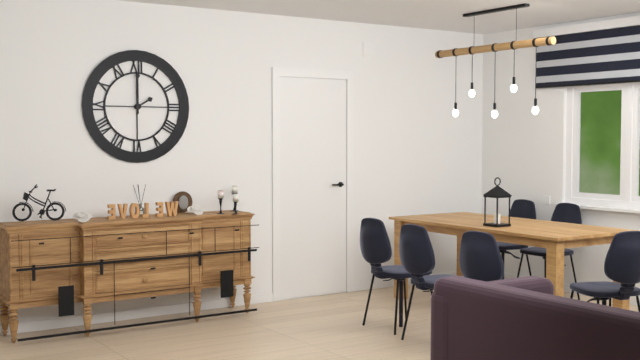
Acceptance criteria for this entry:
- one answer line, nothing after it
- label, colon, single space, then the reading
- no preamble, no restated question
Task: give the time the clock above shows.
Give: 2:00
